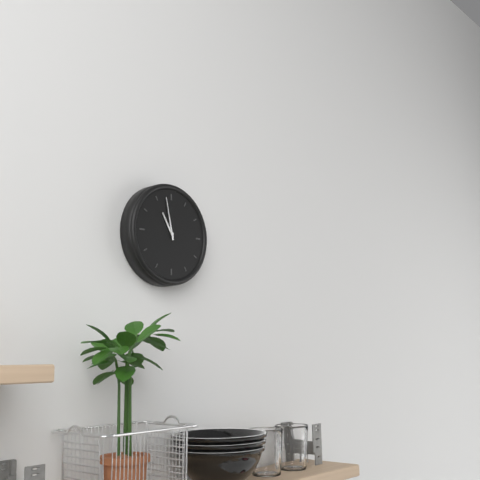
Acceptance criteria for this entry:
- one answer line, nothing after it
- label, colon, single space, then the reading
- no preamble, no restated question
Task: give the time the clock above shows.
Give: 10:58
